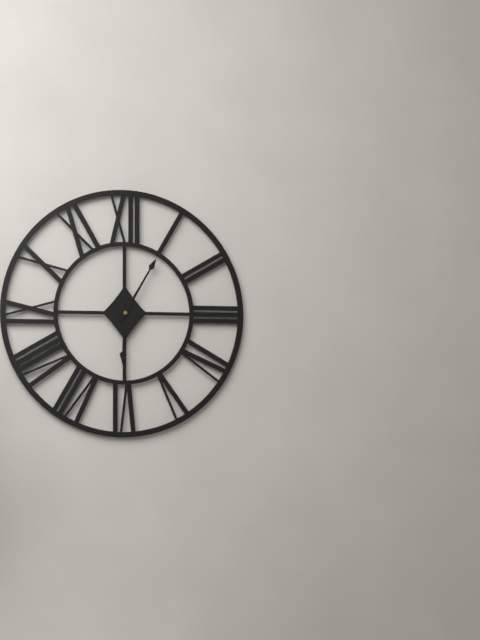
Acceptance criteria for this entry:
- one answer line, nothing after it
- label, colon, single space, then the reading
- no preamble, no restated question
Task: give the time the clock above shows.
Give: 6:05
